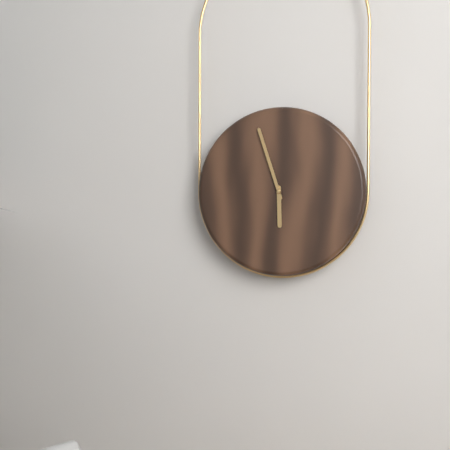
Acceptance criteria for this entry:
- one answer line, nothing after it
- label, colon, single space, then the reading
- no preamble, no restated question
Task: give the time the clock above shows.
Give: 5:57
